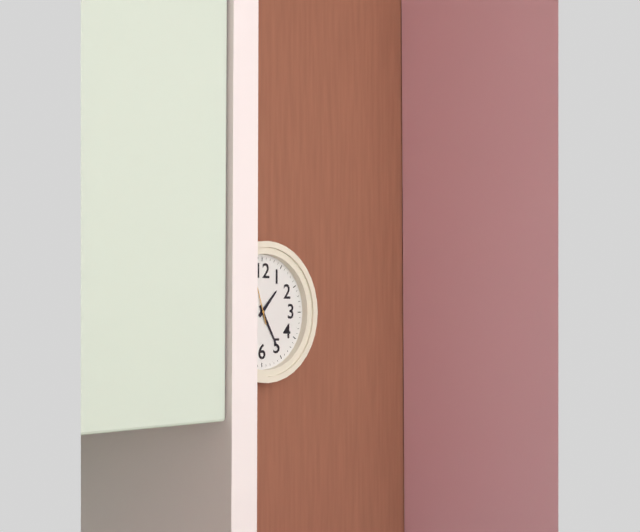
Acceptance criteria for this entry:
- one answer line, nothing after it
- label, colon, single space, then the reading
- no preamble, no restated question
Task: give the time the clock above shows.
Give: 1:25
